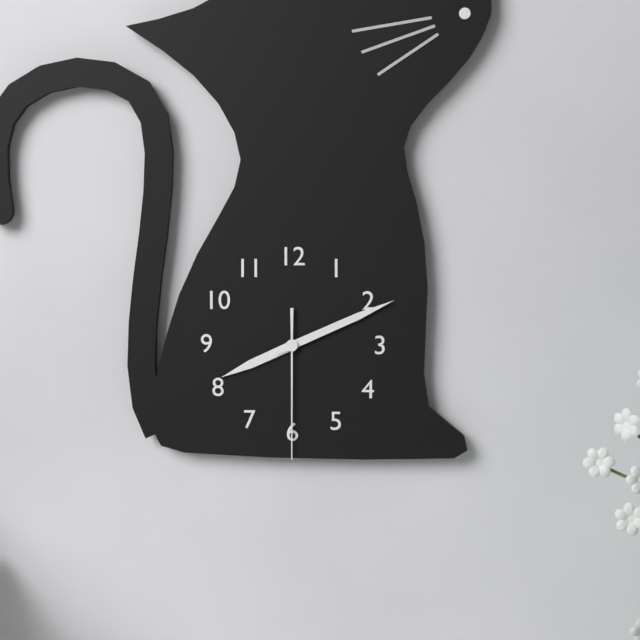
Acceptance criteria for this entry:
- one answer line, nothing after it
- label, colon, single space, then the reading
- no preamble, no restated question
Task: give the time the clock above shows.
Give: 8:11:30
